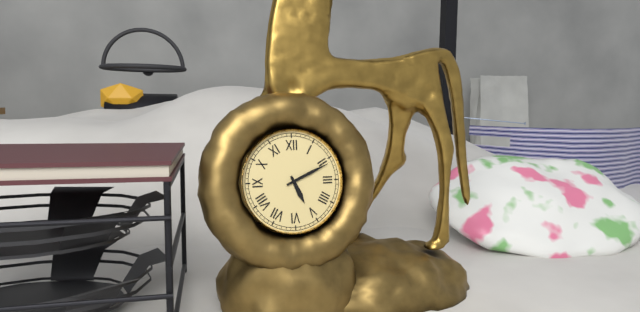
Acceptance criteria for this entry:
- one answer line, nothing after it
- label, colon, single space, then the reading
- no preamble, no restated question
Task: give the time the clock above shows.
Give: 5:11
